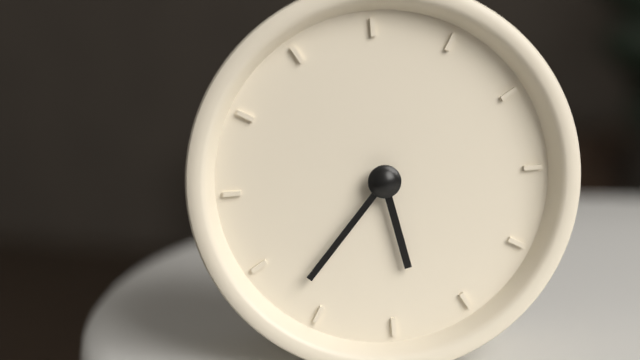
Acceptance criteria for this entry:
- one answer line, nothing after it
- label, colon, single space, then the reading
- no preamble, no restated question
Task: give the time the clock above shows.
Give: 5:37
